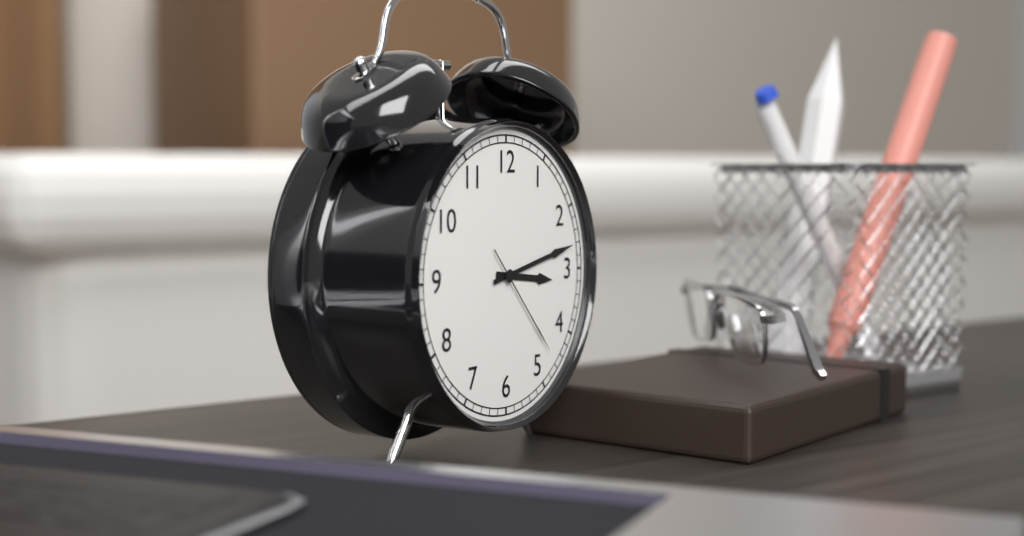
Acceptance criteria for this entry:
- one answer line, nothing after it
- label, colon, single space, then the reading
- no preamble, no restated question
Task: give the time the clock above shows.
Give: 3:13:23
